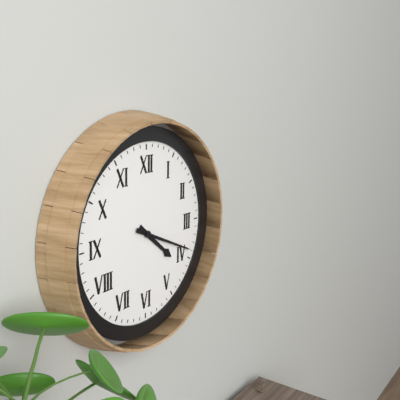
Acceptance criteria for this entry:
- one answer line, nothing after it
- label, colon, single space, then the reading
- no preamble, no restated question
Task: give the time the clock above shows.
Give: 4:19
